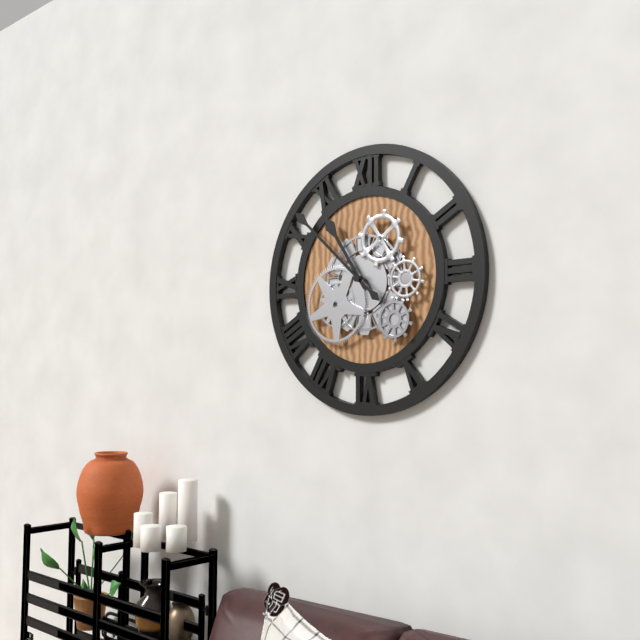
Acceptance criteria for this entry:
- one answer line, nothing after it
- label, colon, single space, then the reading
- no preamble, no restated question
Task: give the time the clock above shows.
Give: 10:52
